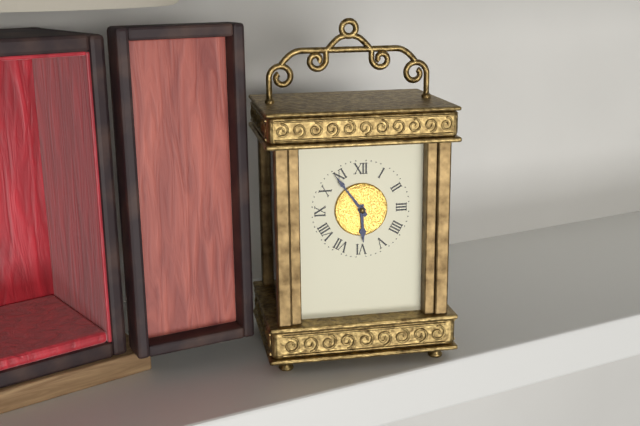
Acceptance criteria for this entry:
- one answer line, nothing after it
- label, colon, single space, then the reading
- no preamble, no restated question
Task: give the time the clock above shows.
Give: 5:54
